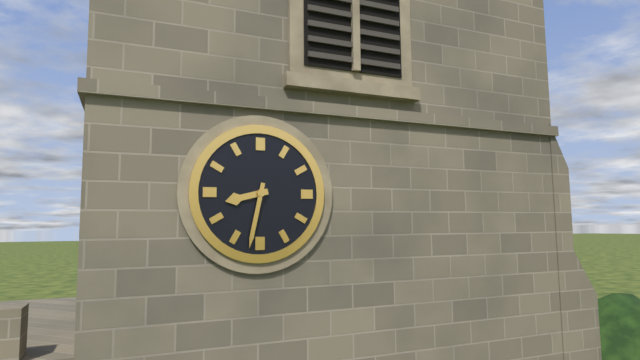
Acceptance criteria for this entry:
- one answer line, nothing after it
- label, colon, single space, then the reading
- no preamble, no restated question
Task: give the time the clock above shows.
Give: 8:32
